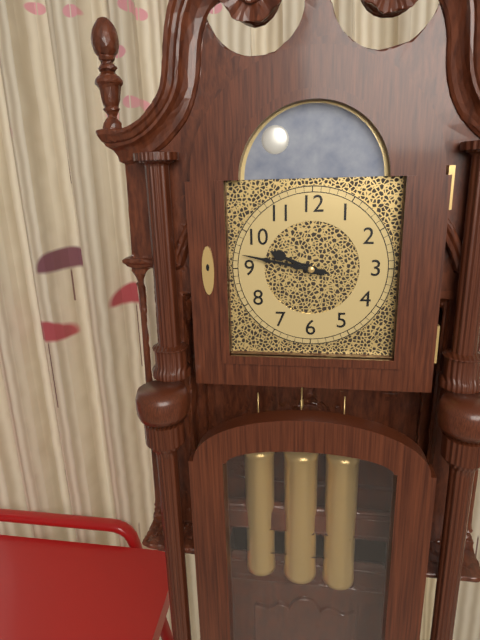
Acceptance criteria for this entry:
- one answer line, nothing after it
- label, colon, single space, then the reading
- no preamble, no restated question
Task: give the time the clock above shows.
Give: 9:47
